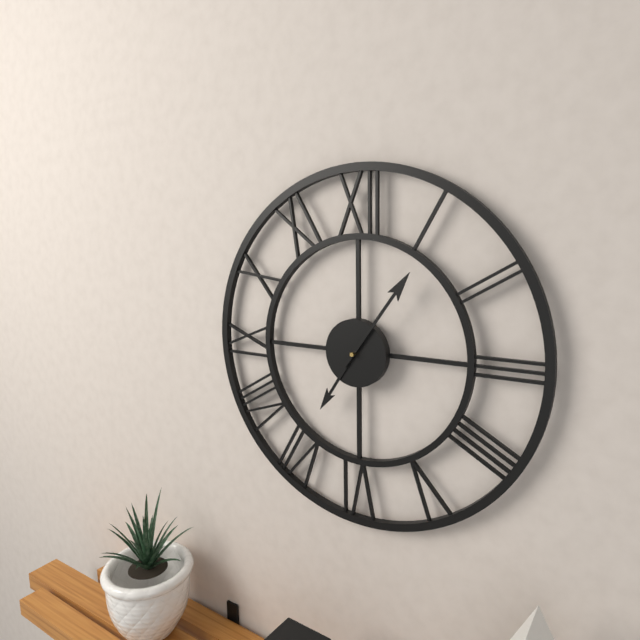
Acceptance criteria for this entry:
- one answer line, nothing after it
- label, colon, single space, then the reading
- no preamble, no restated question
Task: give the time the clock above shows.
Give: 7:06
